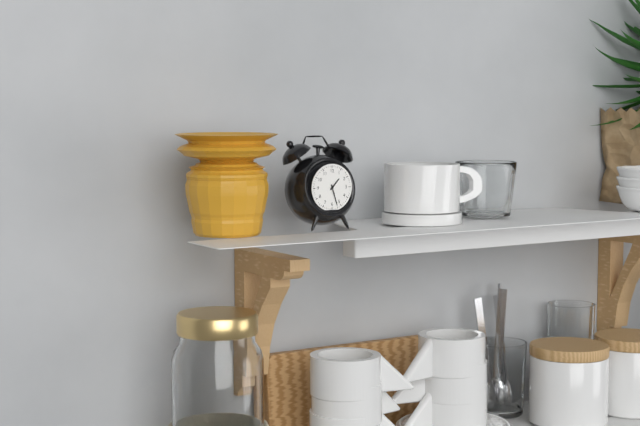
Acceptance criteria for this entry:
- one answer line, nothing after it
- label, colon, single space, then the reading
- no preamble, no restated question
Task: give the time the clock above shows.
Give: 1:27
